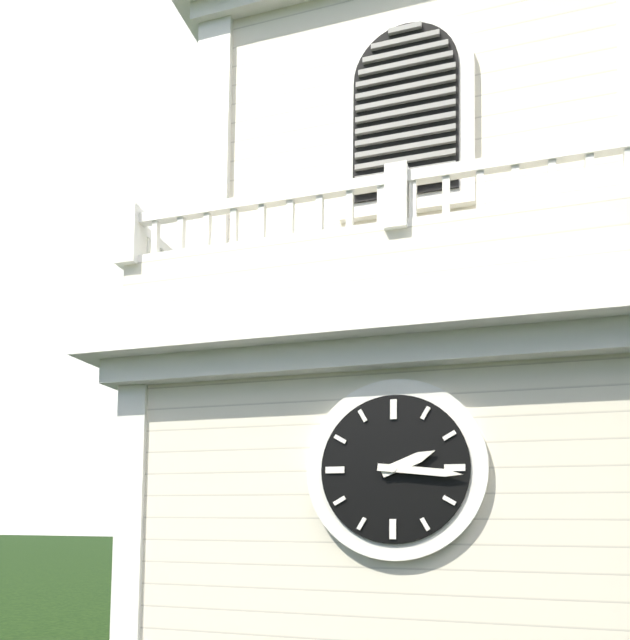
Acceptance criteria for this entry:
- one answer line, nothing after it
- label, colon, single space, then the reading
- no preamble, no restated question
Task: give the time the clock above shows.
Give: 2:16
